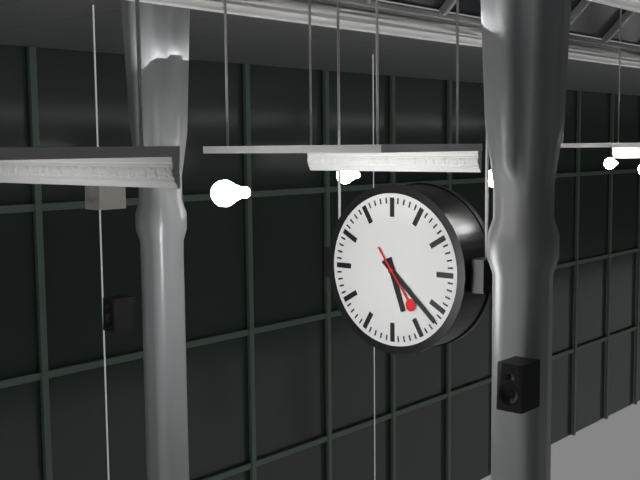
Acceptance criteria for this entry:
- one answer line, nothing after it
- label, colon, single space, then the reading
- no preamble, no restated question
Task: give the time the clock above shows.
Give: 5:22:24
